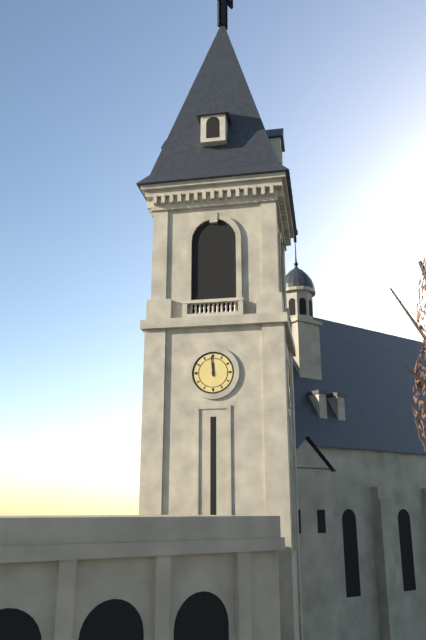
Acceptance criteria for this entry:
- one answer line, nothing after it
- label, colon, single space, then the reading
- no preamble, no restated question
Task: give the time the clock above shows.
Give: 11:59
